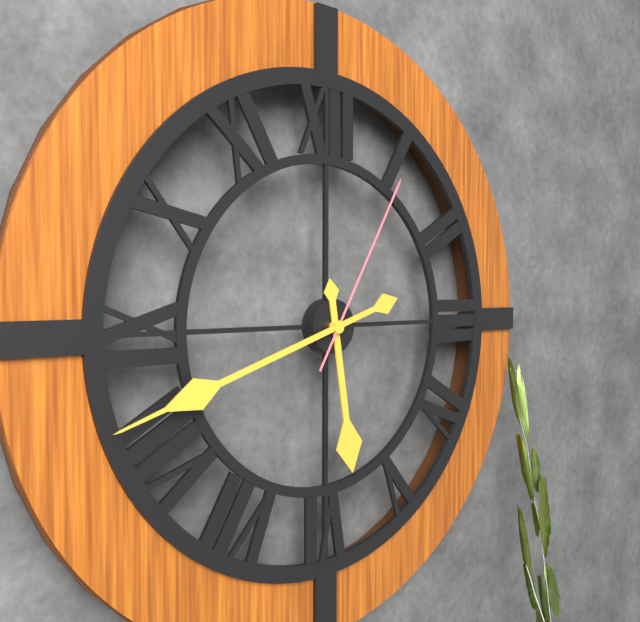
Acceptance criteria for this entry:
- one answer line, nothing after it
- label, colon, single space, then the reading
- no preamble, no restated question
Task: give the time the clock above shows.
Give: 5:42:05
